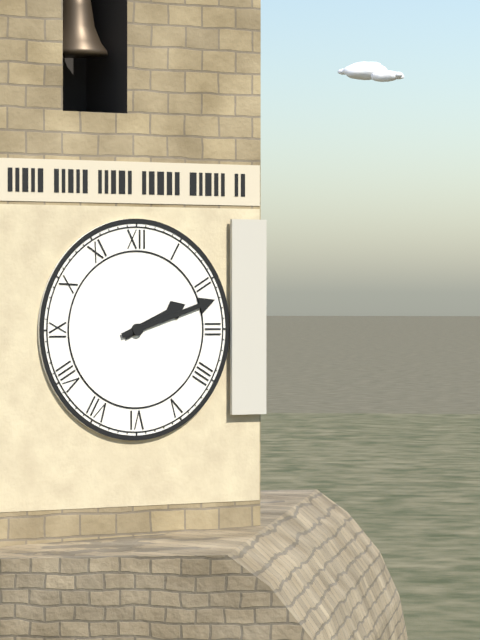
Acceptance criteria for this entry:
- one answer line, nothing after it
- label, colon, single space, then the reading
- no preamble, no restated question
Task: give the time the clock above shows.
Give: 2:12
